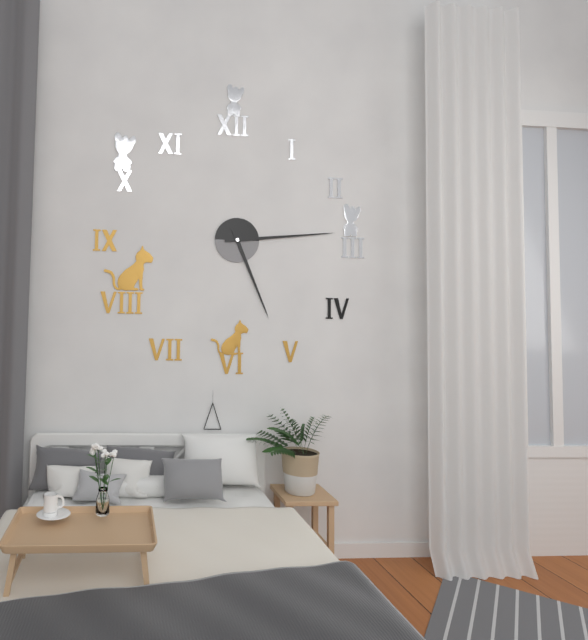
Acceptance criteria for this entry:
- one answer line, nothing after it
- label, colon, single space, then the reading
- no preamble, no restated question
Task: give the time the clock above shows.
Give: 5:14
